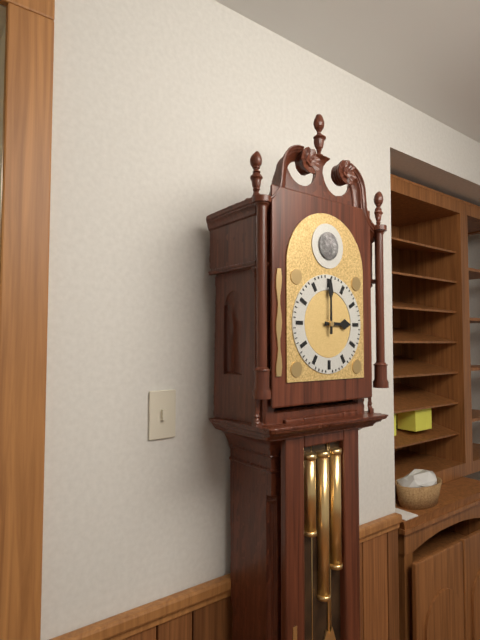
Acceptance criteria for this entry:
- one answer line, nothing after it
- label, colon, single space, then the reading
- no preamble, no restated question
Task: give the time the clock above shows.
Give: 3:00
